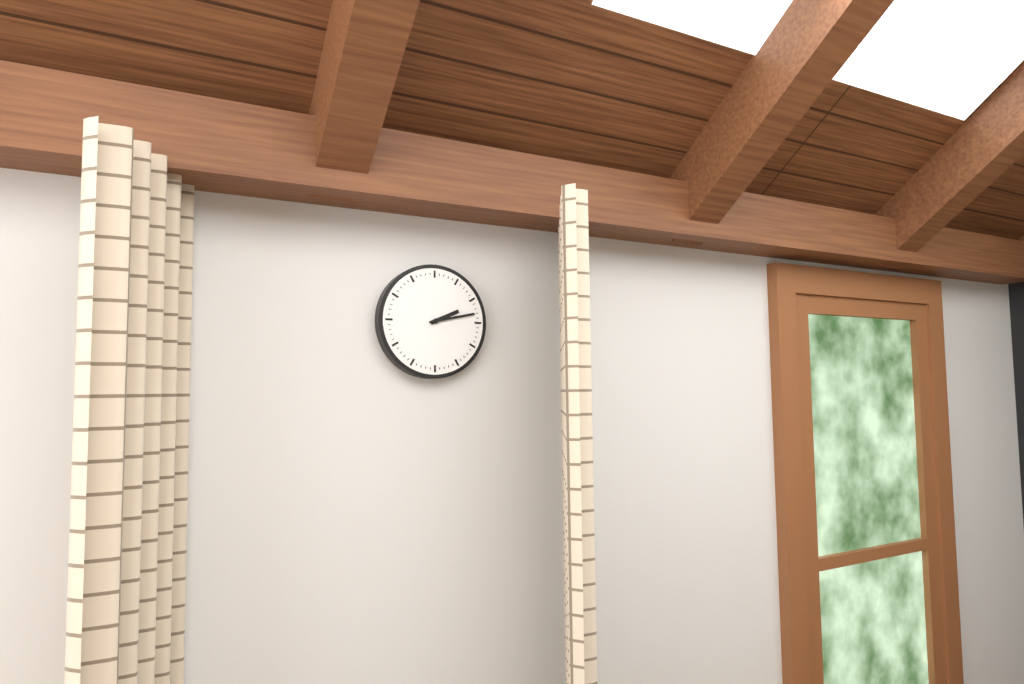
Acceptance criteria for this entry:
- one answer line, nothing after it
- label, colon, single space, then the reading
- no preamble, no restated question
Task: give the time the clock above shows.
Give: 2:13
